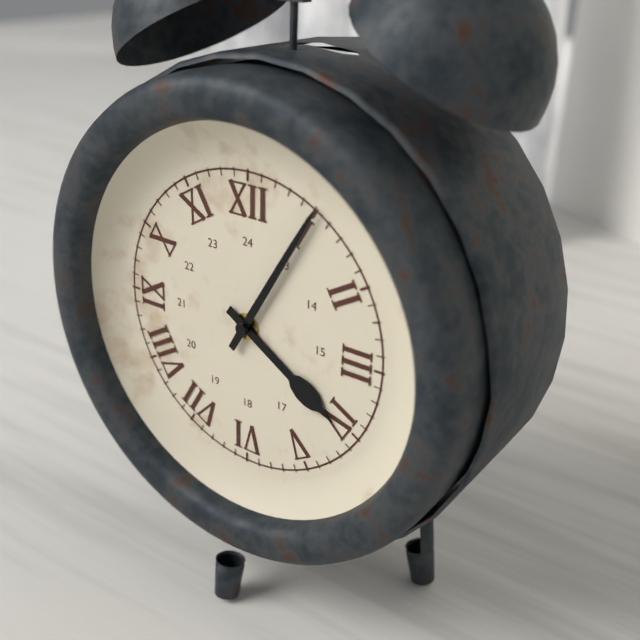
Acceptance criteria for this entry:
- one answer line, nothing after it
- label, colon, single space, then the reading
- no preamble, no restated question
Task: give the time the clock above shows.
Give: 4:05
